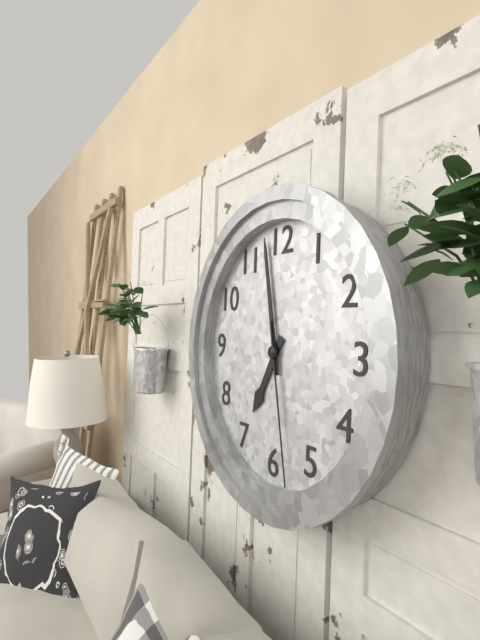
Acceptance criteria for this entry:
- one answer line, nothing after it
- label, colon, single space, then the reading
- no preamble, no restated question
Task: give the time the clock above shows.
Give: 6:58:28
